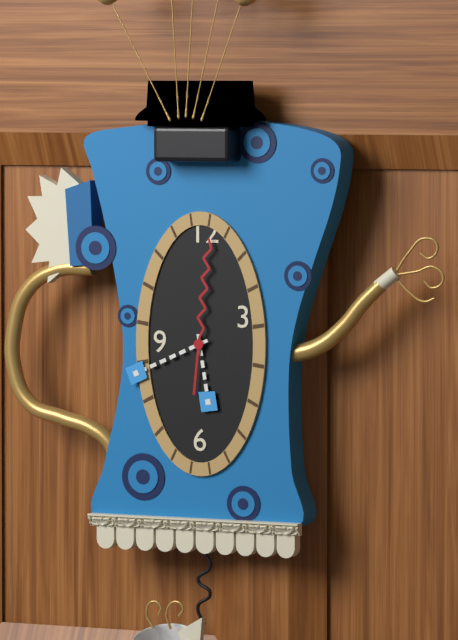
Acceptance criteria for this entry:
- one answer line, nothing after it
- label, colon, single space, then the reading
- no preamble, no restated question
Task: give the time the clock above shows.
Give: 5:41:01
